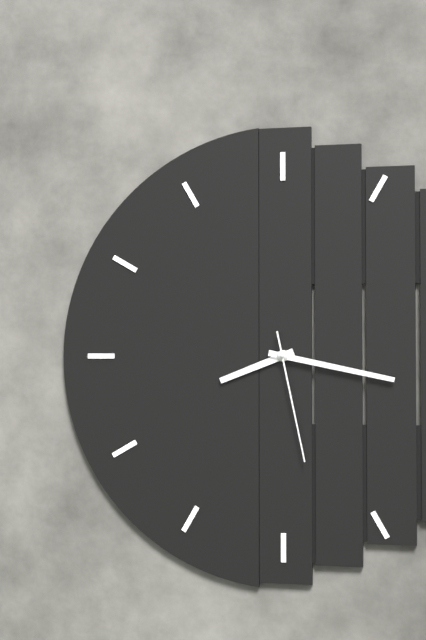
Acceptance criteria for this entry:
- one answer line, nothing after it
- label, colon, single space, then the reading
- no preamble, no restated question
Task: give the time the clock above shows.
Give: 8:17:28
